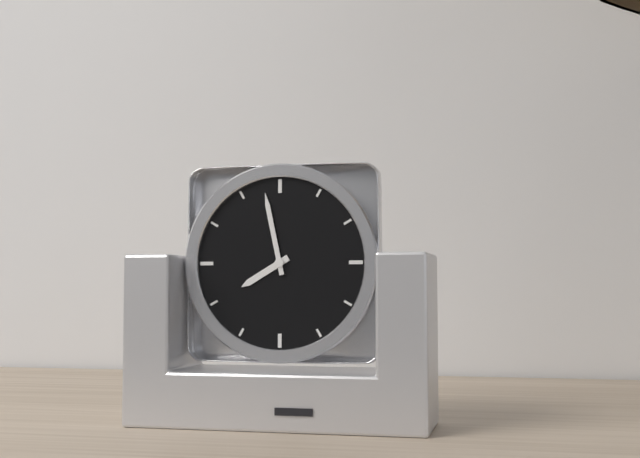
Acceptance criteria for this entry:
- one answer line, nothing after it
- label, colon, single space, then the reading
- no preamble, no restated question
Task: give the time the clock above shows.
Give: 7:58
